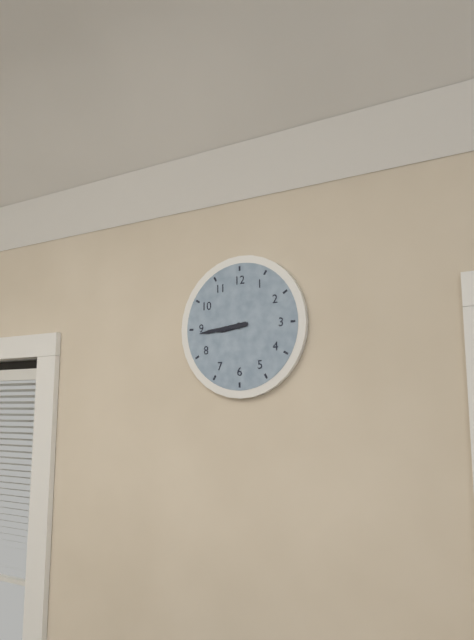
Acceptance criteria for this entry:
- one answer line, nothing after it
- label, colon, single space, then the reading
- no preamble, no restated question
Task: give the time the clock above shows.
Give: 8:44
